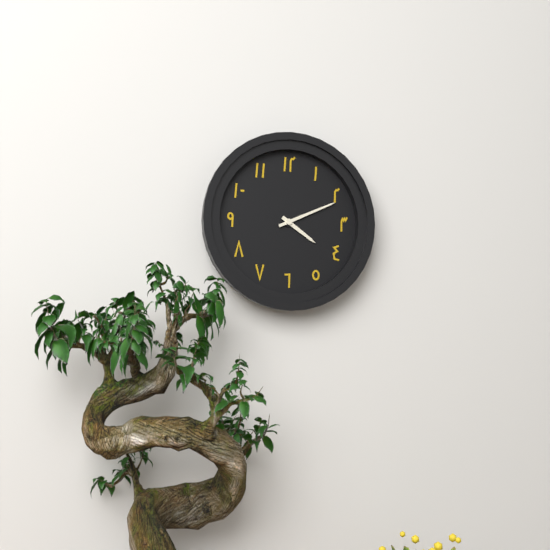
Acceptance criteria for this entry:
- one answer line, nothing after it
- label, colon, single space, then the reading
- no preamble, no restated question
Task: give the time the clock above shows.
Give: 4:11
